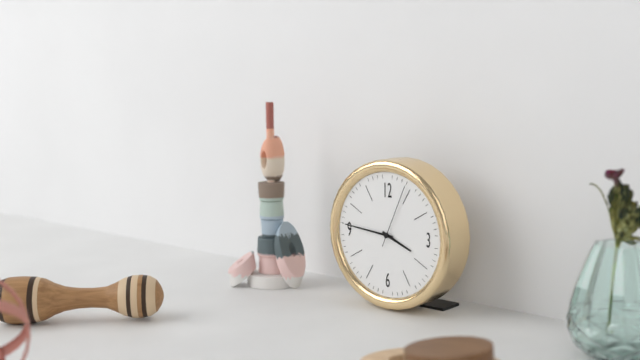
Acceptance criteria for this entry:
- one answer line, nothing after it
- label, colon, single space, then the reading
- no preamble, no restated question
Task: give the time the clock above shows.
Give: 3:46:04
